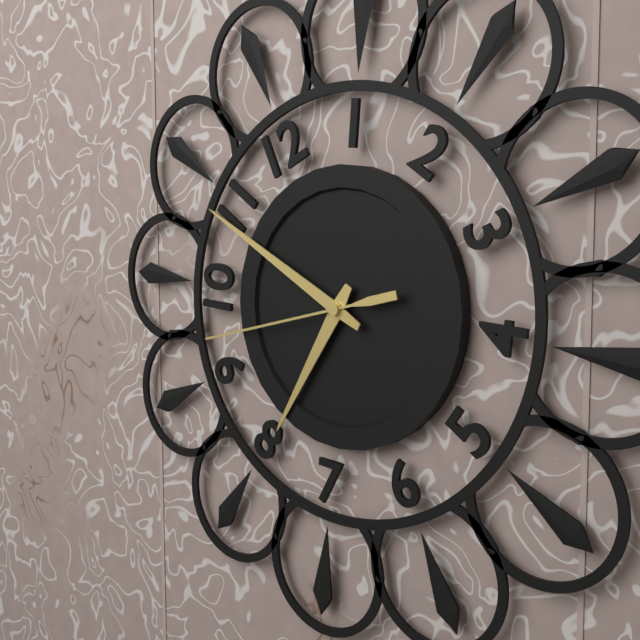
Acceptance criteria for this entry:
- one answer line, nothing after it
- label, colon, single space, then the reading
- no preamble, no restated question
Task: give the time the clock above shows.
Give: 7:54:47
